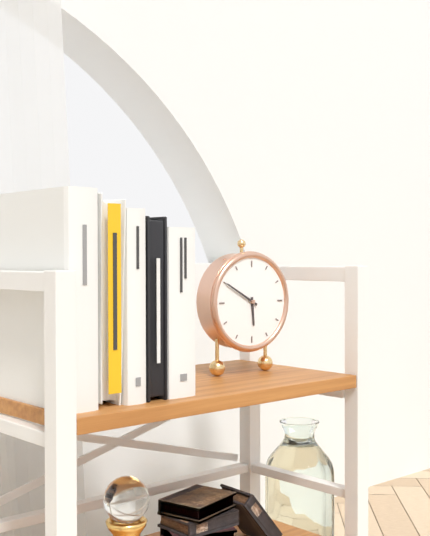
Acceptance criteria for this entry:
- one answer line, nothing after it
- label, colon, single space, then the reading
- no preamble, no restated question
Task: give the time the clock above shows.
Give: 5:50
